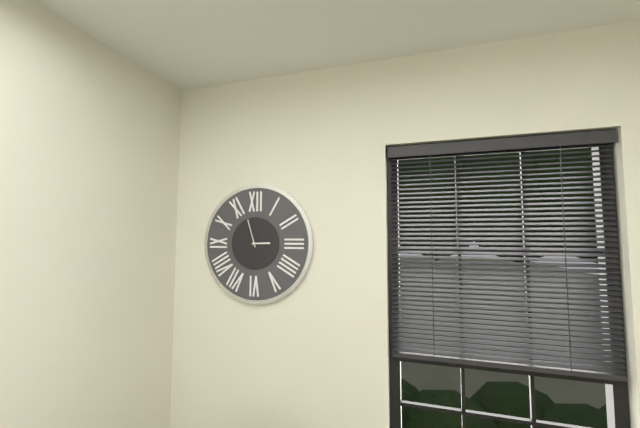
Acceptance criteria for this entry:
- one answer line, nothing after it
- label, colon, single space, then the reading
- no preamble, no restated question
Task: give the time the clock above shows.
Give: 2:57
